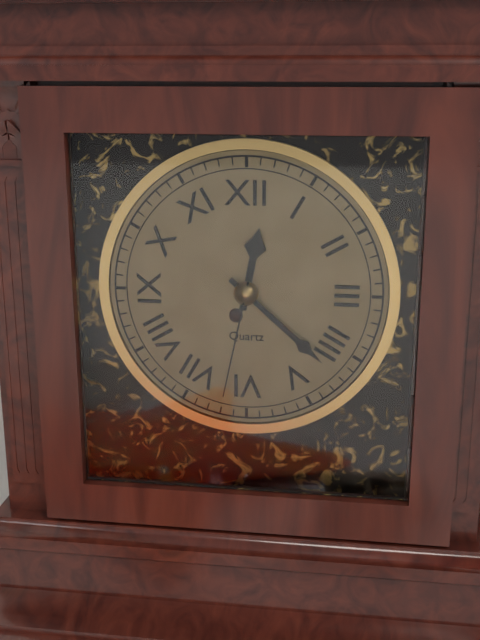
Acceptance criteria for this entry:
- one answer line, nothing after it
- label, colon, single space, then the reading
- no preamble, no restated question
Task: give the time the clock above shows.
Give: 12:22:32
